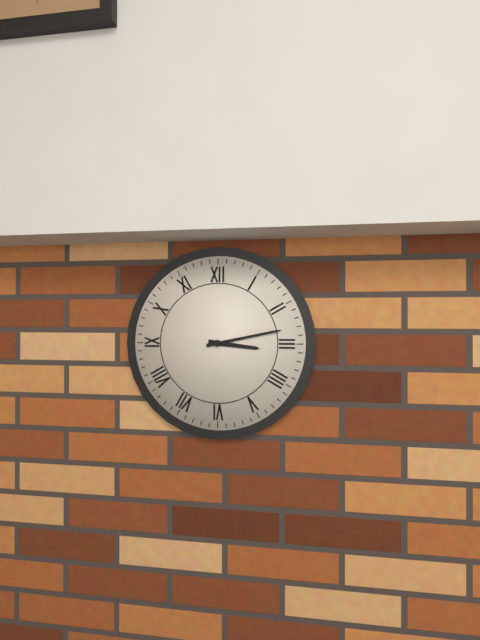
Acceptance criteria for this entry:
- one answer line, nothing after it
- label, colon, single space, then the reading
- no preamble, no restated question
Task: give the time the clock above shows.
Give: 3:13
